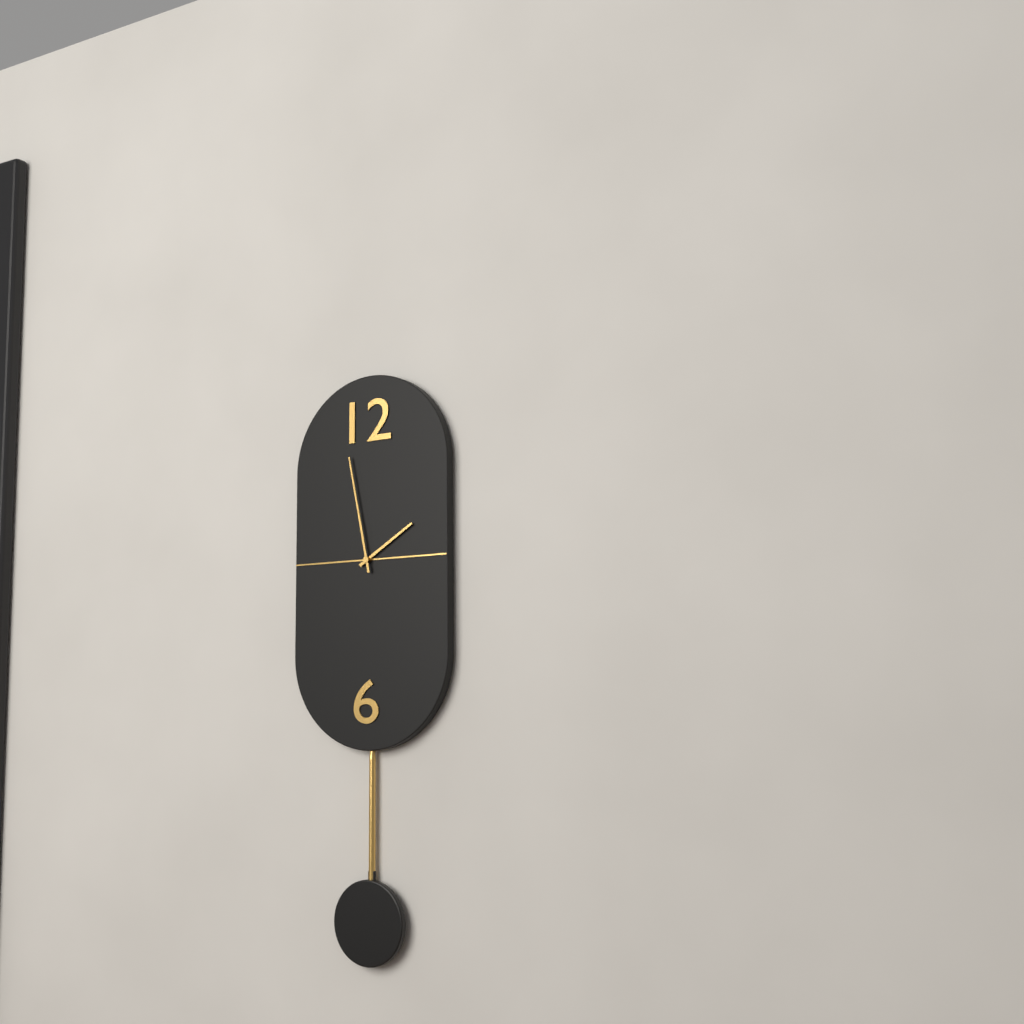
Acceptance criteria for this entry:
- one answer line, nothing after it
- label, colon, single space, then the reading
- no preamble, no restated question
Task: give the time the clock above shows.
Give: 1:58
